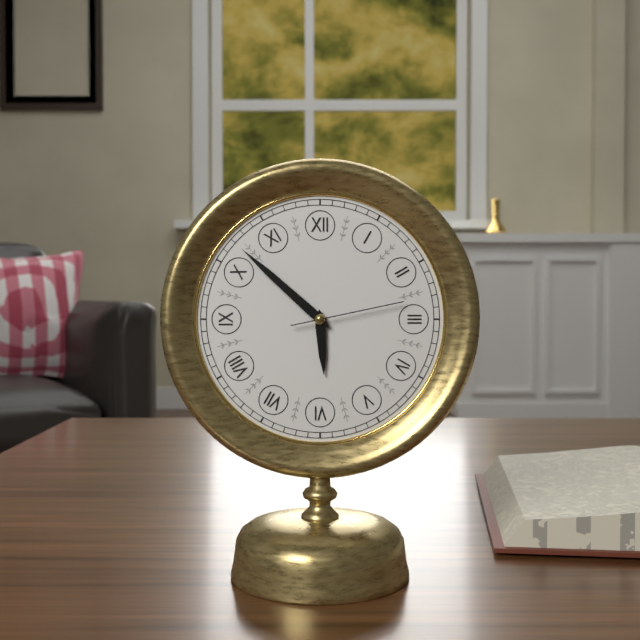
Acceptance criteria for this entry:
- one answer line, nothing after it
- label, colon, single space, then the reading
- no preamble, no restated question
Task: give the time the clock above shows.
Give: 5:52:13
